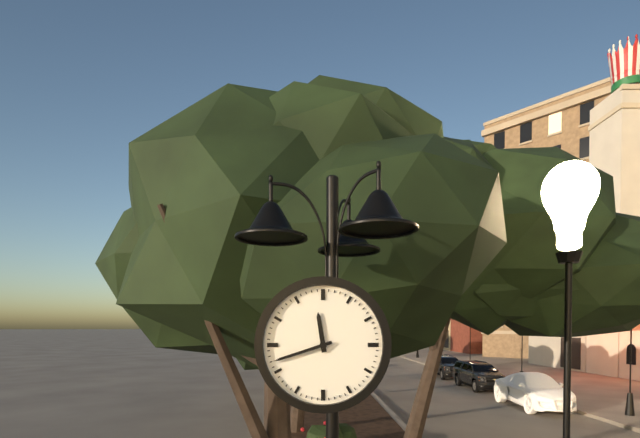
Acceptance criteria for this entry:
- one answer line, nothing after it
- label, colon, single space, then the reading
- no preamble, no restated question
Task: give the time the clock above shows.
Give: 11:42
